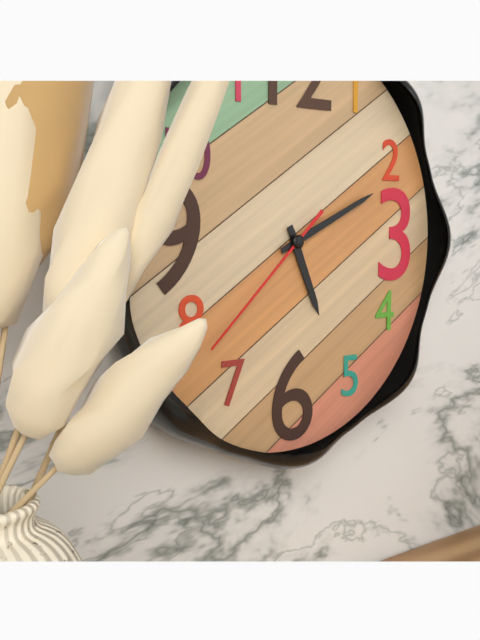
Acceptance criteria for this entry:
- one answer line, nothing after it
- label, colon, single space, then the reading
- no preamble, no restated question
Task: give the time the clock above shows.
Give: 5:11:38
